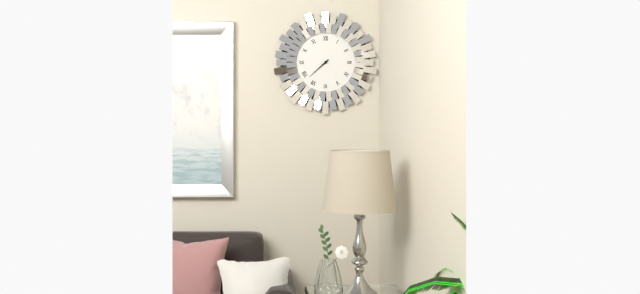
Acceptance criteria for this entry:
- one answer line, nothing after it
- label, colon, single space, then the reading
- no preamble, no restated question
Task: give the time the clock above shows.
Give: 7:38
